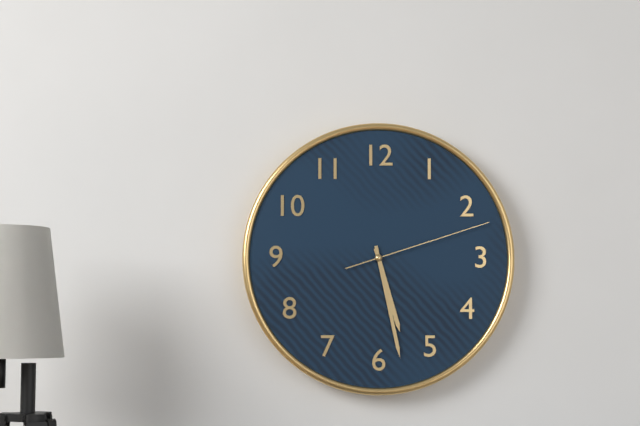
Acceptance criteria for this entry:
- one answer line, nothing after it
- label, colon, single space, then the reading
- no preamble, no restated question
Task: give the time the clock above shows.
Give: 5:28:12
